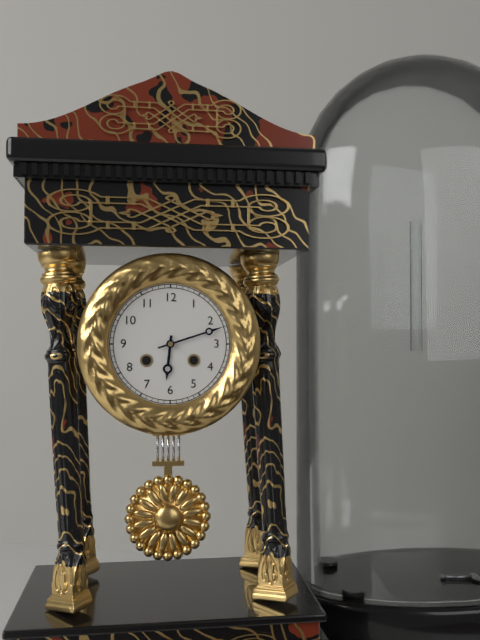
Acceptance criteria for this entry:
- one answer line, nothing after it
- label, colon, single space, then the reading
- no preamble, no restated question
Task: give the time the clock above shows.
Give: 6:12
